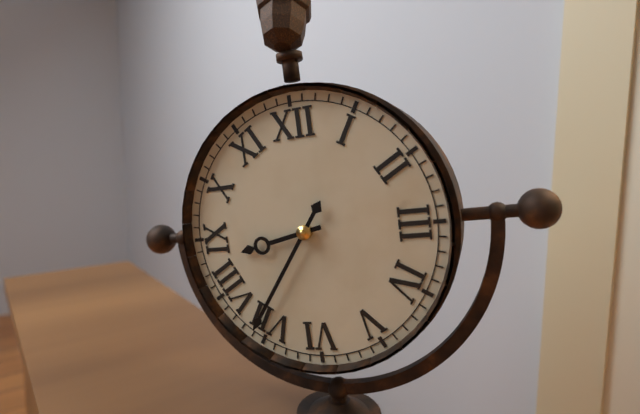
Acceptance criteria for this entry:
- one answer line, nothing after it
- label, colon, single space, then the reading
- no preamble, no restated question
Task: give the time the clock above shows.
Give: 8:36
